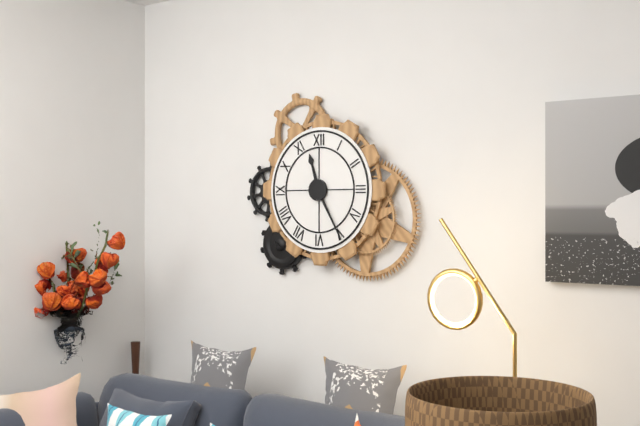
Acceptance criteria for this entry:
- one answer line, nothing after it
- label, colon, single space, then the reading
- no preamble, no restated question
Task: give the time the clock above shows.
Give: 11:25
